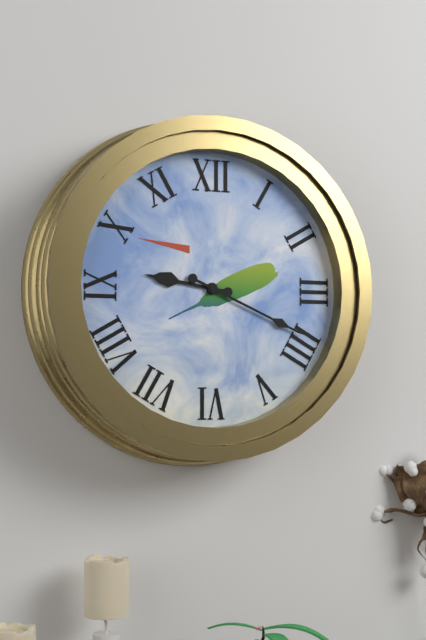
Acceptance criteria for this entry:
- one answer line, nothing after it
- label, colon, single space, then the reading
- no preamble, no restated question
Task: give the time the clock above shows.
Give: 9:19
